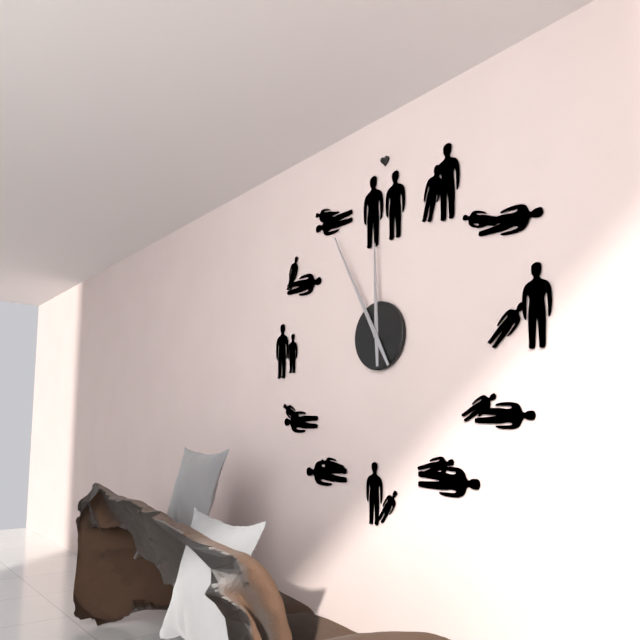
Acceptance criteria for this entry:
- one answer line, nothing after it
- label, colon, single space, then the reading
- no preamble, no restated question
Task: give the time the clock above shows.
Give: 11:55
